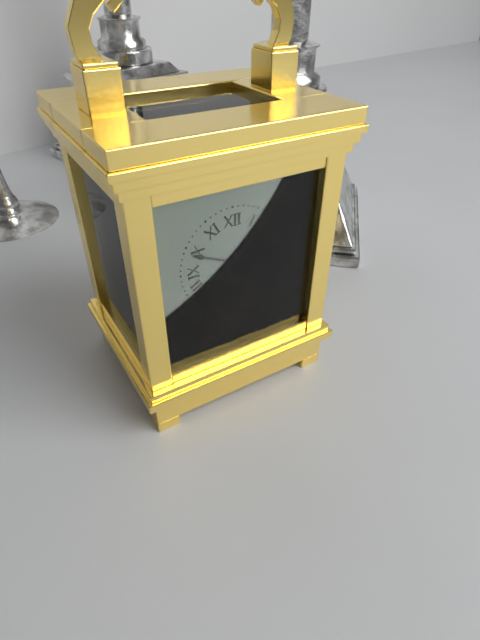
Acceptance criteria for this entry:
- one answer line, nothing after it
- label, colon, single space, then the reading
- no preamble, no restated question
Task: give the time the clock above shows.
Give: 1:49
